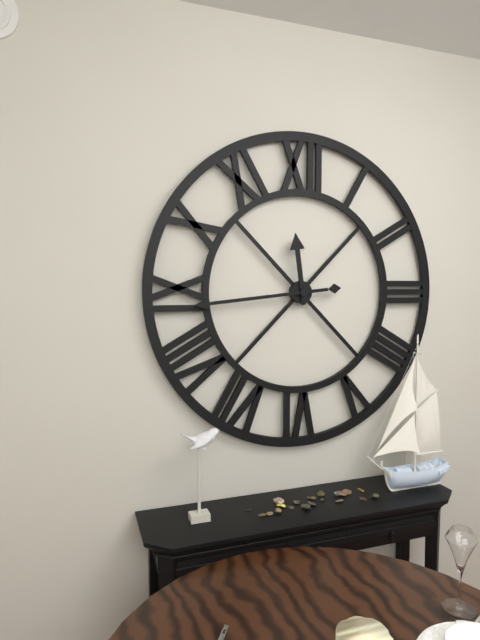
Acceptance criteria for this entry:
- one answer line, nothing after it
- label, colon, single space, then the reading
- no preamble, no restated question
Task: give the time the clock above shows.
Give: 11:44
